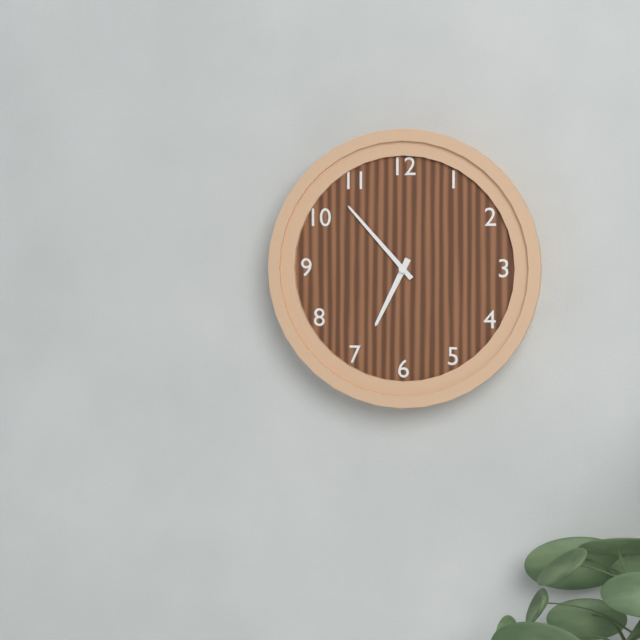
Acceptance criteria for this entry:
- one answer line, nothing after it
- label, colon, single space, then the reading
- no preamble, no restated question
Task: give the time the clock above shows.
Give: 6:53
